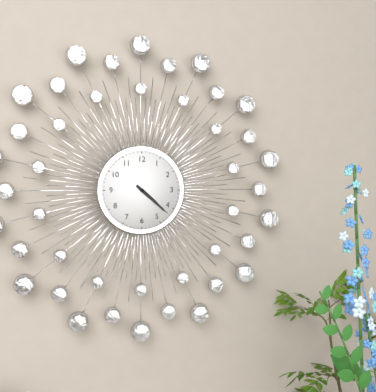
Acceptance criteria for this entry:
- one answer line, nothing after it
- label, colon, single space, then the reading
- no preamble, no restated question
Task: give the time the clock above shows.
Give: 4:22
